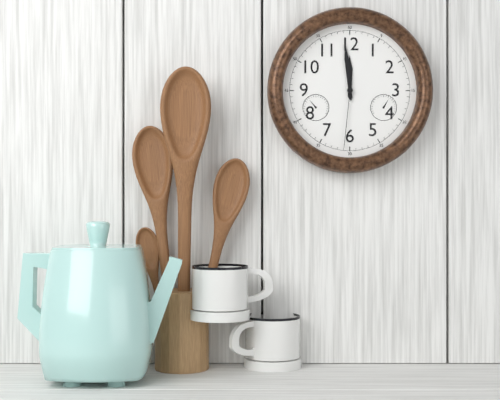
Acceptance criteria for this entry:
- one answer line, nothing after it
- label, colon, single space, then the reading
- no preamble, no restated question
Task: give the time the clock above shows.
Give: 11:59:31
